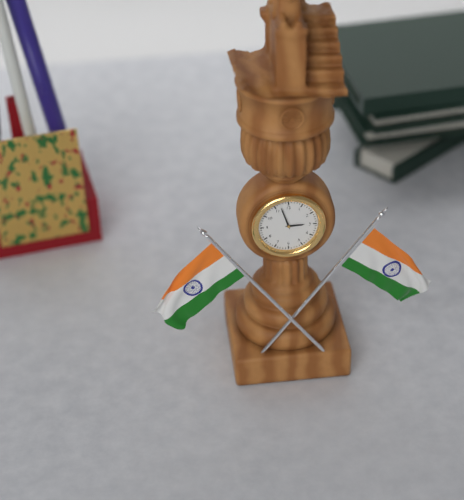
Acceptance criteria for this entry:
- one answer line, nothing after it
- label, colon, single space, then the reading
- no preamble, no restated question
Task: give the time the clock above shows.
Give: 2:57
